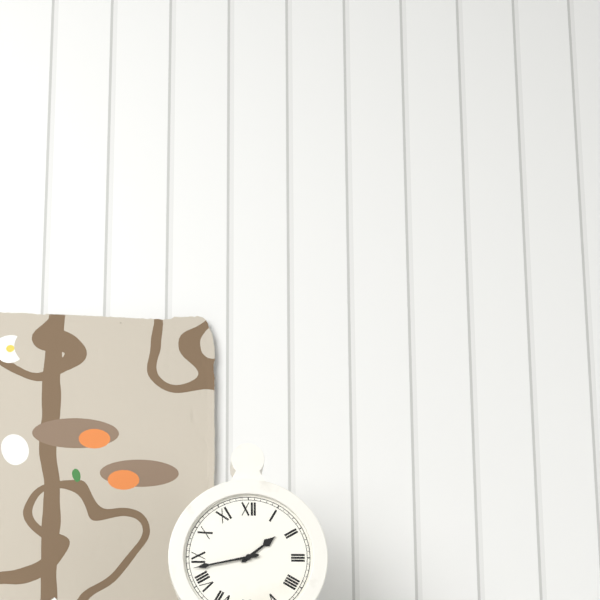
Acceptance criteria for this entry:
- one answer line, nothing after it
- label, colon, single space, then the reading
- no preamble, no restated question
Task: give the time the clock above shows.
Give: 1:43
